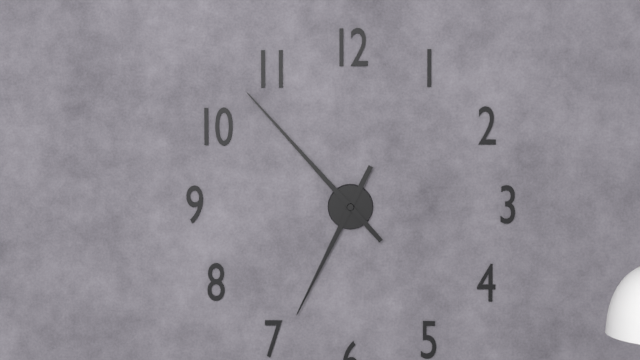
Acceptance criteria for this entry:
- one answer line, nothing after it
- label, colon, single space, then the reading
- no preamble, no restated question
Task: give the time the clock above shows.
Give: 6:53
